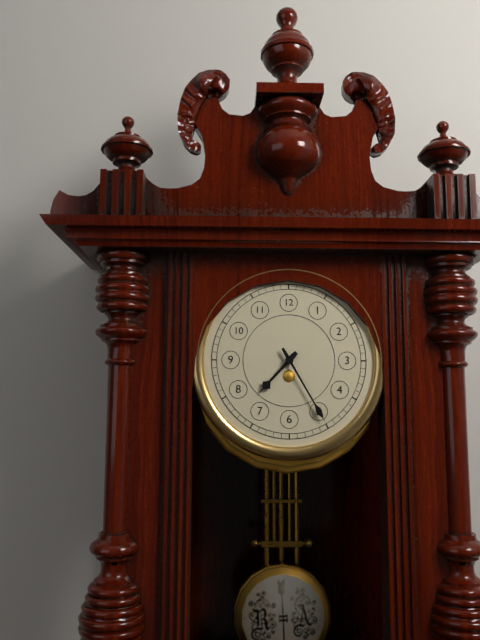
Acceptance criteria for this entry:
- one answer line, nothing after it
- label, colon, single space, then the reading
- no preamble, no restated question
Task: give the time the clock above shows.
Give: 7:25
